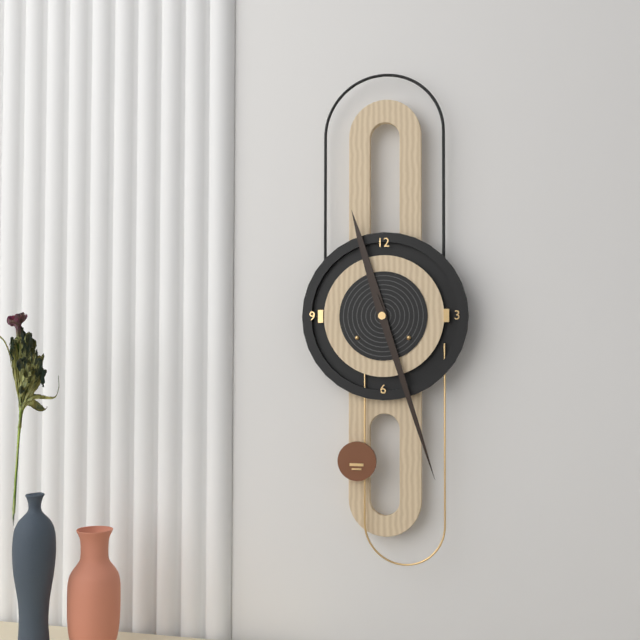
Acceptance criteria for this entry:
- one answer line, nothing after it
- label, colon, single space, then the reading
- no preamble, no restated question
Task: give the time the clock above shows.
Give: 11:27
